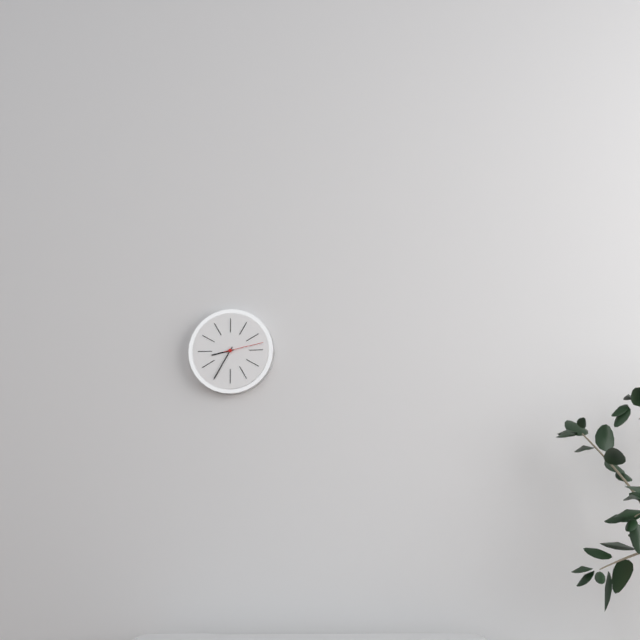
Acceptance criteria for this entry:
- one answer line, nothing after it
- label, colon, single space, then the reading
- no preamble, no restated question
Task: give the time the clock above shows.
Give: 8:35
